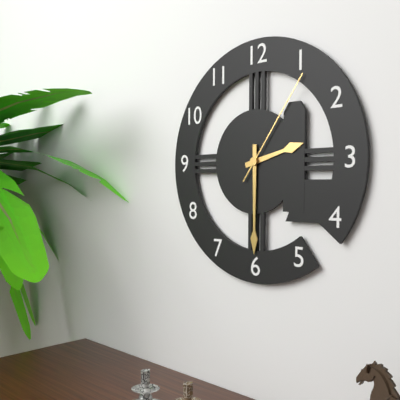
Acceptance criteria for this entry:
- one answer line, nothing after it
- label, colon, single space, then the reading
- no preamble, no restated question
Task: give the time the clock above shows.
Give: 2:30:06
